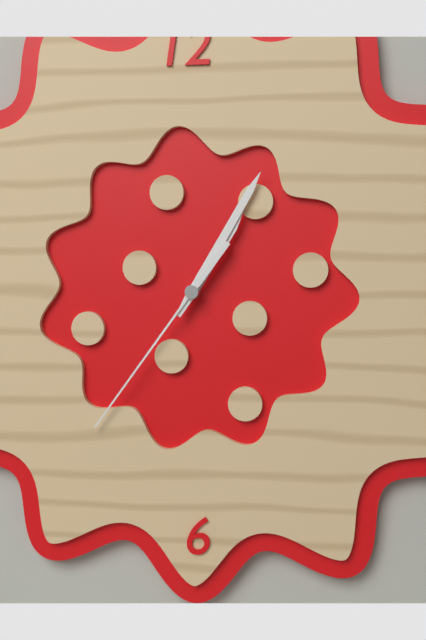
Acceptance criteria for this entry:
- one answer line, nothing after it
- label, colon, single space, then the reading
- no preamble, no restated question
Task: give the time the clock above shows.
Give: 1:05:36
